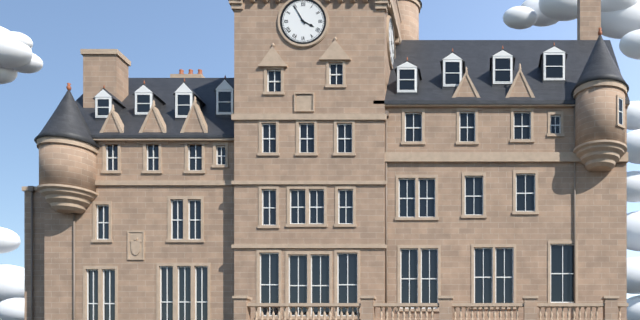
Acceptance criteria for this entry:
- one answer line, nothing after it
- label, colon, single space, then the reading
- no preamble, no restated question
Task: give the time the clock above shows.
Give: 3:55
